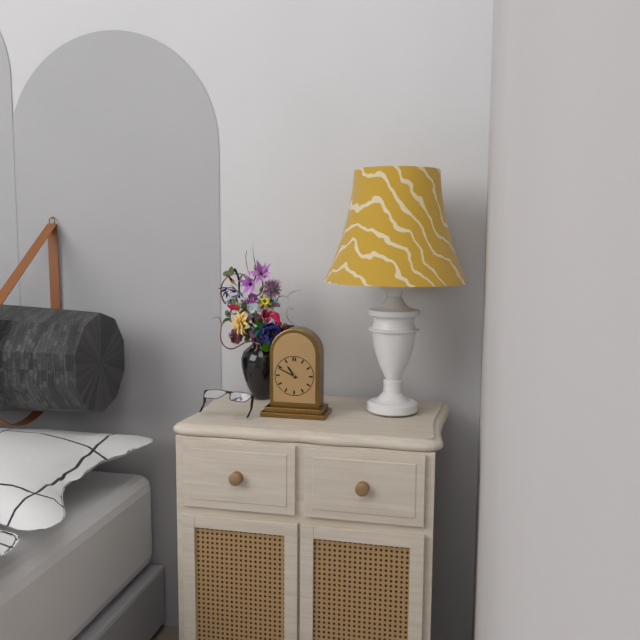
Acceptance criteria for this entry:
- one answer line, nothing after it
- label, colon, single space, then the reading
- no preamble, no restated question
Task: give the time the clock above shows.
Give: 10:49
